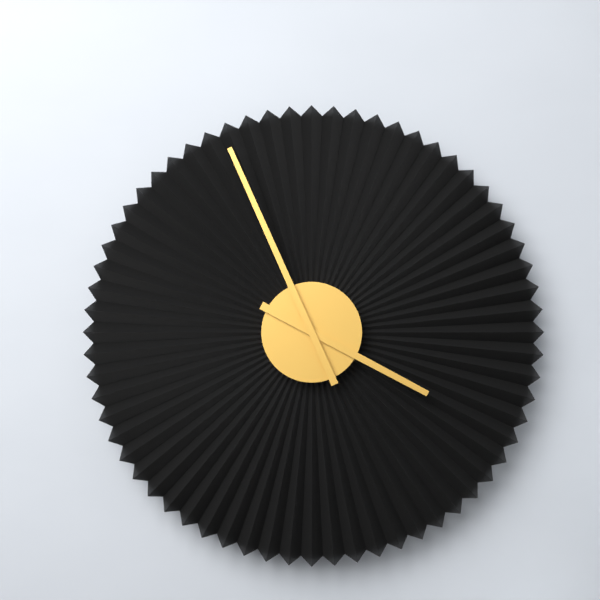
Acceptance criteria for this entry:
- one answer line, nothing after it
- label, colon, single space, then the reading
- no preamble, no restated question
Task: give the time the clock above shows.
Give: 3:56
